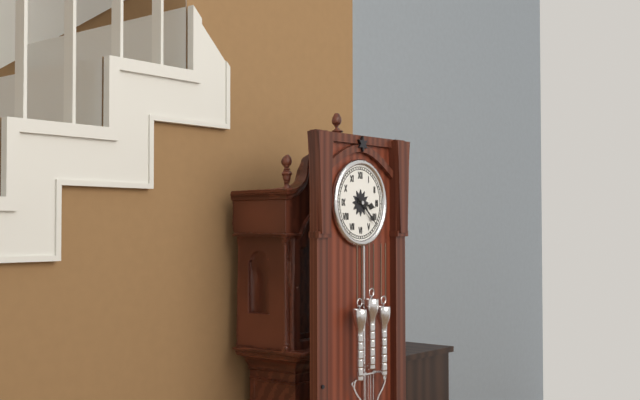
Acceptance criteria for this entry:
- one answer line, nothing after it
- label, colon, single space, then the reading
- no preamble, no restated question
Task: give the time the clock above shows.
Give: 3:22
